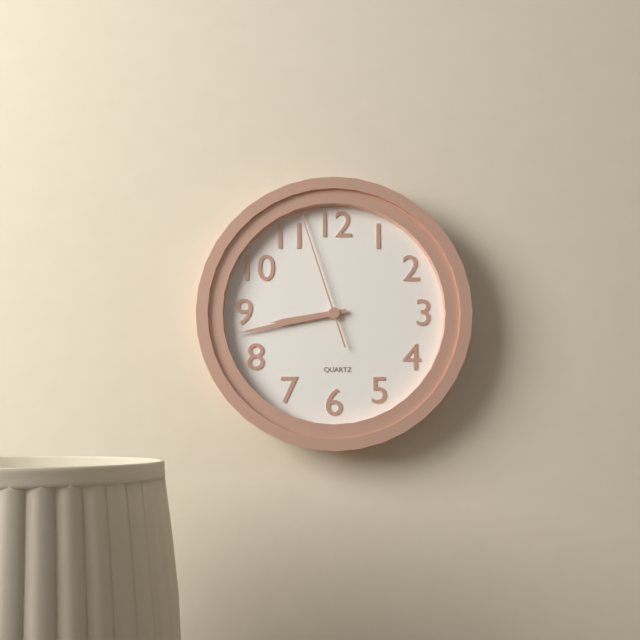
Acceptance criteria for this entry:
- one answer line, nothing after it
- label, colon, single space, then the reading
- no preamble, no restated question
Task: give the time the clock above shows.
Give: 8:43:57
